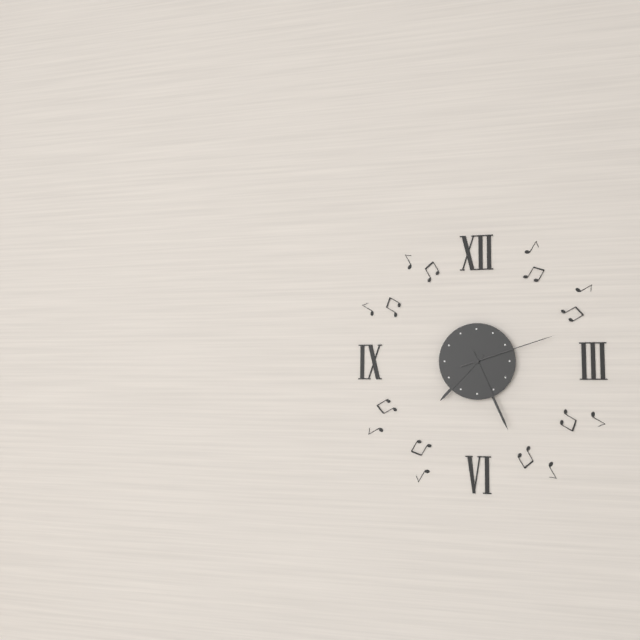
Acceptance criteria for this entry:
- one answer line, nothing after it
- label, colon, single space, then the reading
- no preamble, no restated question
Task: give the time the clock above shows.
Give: 7:26:12
